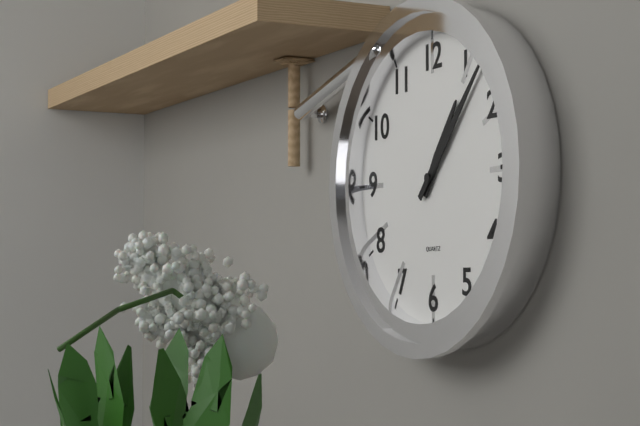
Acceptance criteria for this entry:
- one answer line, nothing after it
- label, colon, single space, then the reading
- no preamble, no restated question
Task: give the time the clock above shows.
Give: 1:07
